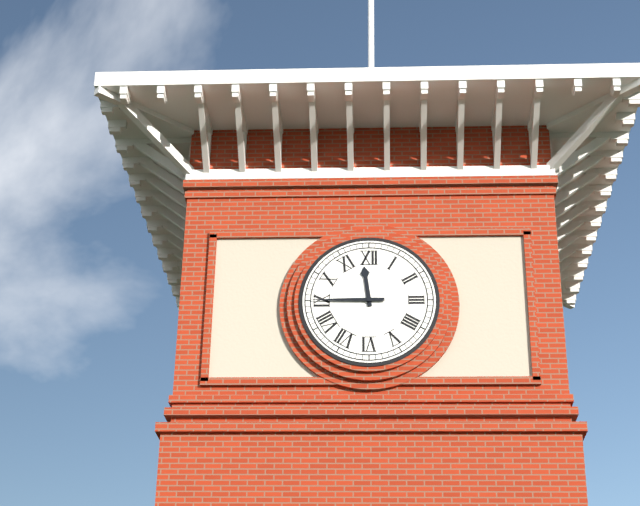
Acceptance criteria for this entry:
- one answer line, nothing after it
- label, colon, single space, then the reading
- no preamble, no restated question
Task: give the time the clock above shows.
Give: 11:45
